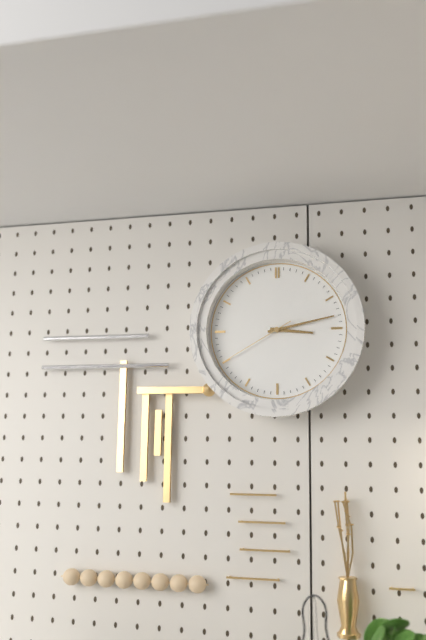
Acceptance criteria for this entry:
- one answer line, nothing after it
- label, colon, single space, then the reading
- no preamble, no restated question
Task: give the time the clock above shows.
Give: 3:13:40
